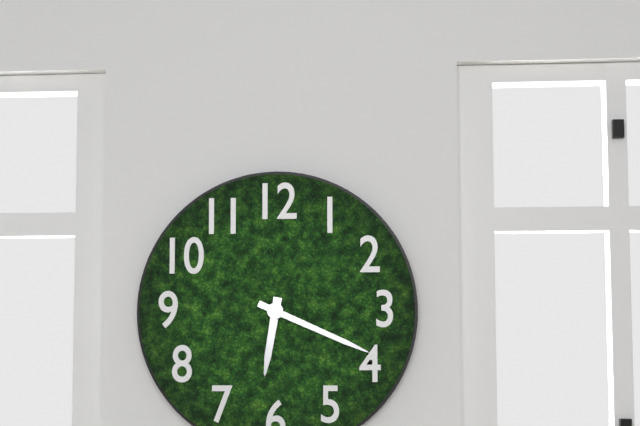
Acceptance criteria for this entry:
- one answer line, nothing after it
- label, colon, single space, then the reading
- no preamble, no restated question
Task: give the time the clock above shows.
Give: 6:19
